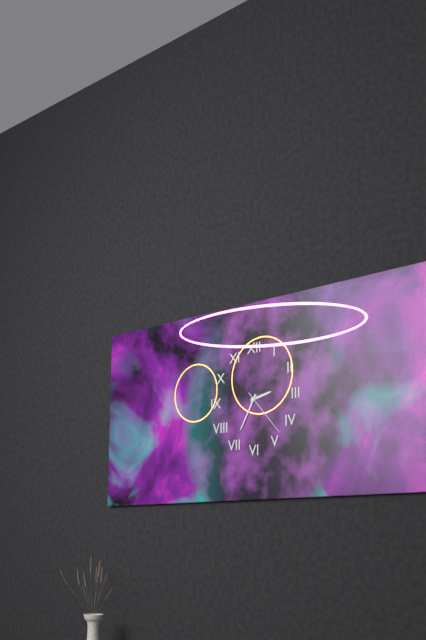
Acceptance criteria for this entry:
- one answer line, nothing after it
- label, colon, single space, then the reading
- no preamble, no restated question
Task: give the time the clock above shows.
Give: 2:35:23
